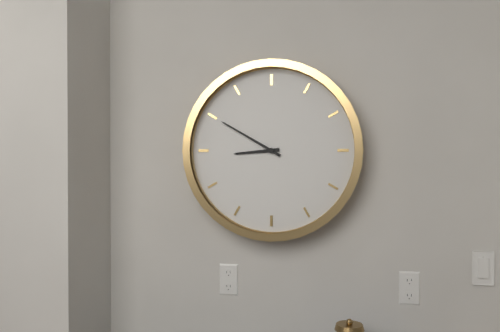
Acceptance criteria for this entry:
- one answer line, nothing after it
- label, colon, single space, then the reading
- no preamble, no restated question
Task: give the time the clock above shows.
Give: 8:50
